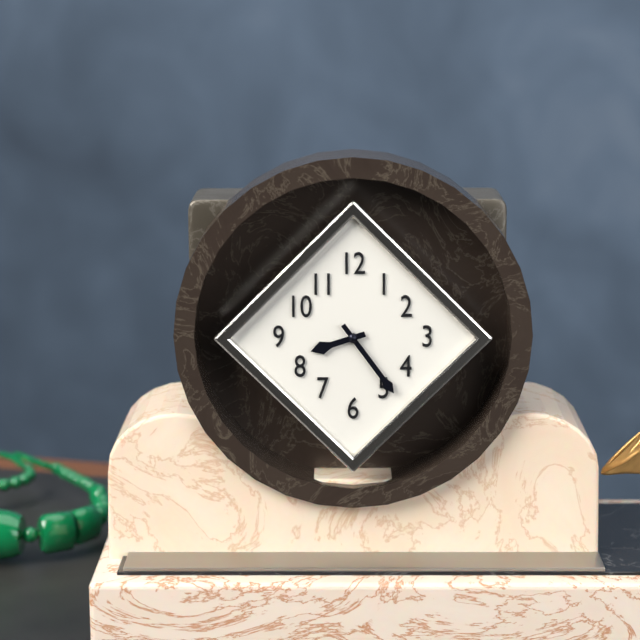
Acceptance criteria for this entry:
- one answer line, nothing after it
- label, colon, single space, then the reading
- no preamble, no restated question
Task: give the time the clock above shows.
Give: 8:24
